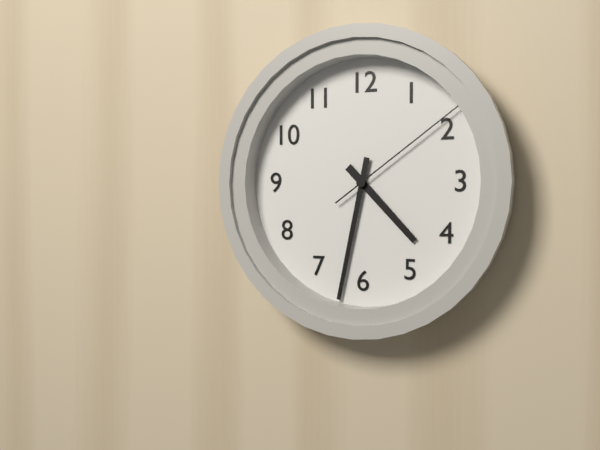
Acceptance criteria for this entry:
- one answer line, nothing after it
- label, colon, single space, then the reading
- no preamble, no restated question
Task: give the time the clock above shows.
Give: 4:32:09
